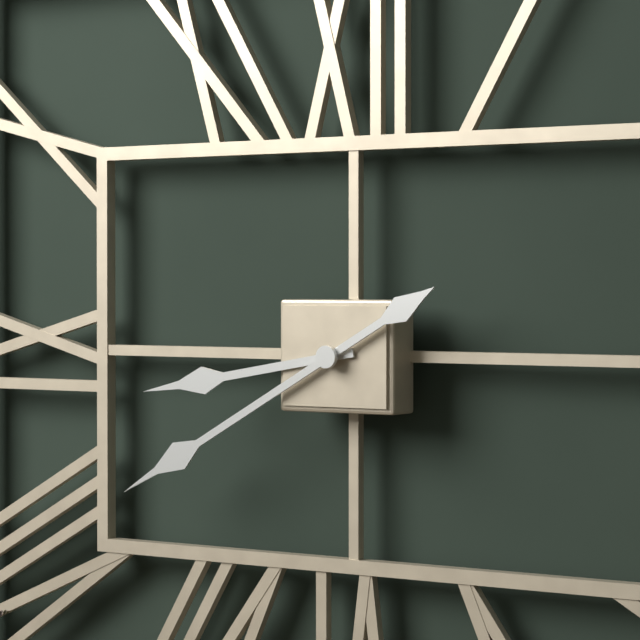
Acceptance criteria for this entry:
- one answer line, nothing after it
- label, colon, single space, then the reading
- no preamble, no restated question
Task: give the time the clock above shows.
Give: 8:40
